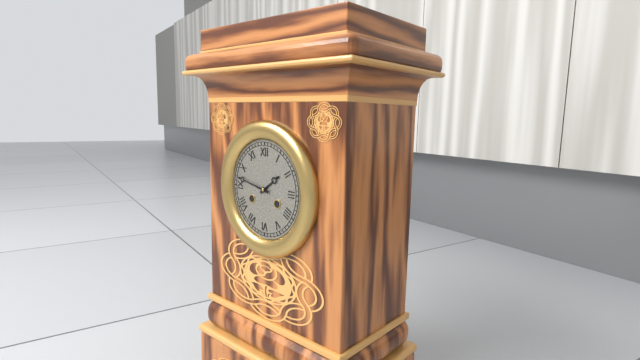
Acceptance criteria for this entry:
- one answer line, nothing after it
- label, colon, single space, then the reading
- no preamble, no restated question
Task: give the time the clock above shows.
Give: 1:47
